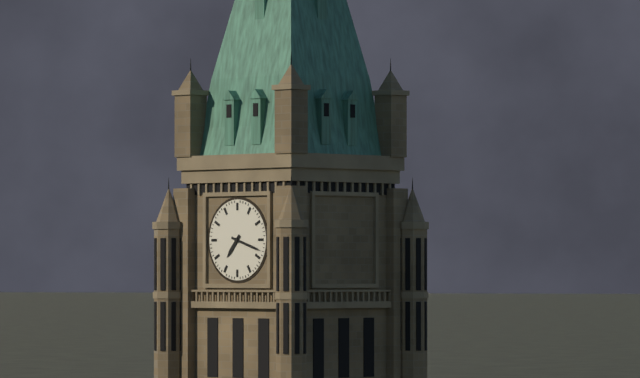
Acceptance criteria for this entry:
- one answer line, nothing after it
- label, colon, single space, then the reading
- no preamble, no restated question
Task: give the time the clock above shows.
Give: 7:18
